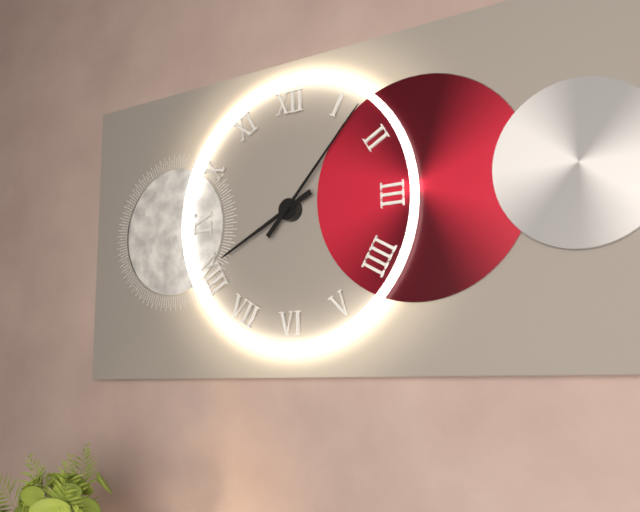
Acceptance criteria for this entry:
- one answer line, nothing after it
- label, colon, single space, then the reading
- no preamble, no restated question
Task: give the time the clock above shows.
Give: 8:07
